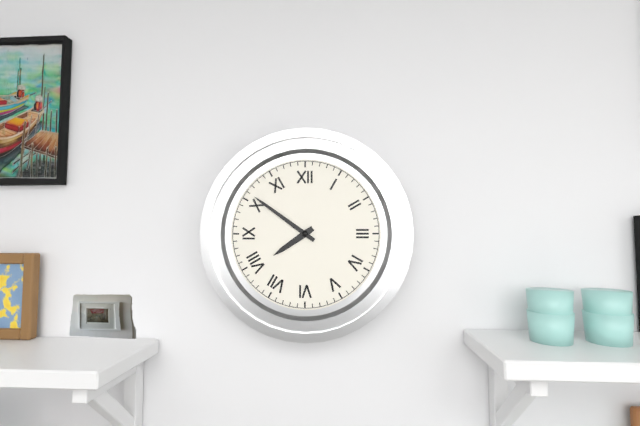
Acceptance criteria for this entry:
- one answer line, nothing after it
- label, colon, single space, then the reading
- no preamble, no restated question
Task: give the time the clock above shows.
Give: 7:51
